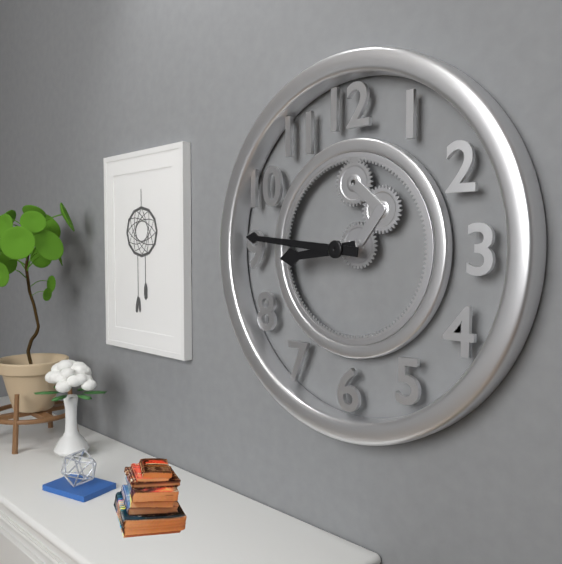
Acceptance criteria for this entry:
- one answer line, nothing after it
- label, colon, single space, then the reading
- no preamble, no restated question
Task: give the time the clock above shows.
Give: 8:46
